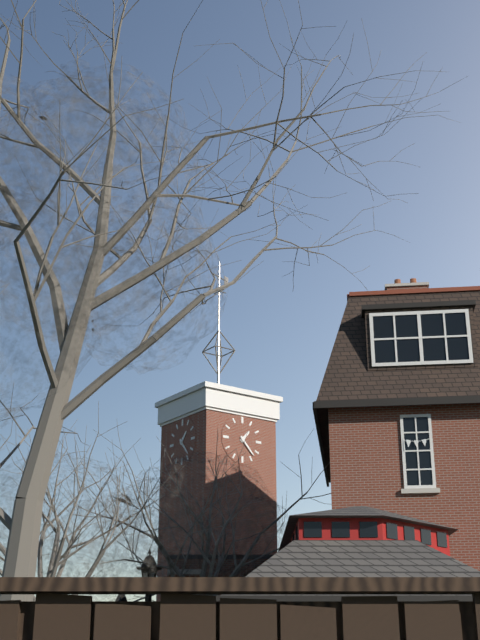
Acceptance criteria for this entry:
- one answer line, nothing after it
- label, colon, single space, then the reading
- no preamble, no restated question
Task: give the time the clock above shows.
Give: 1:23
